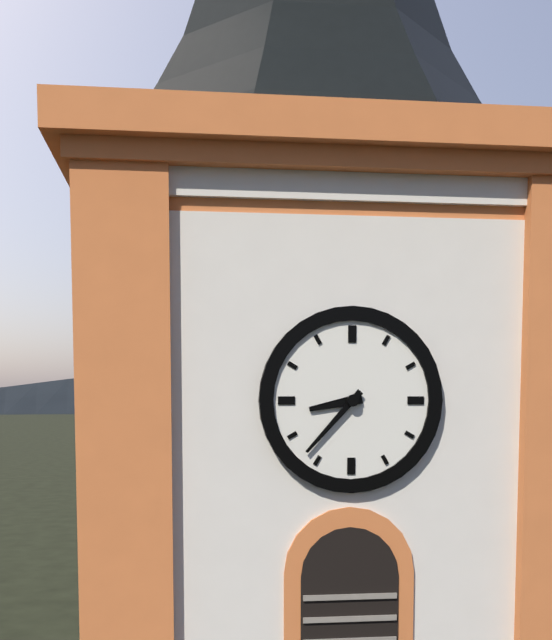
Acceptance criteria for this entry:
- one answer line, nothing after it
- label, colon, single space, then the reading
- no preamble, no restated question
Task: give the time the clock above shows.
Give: 8:37
